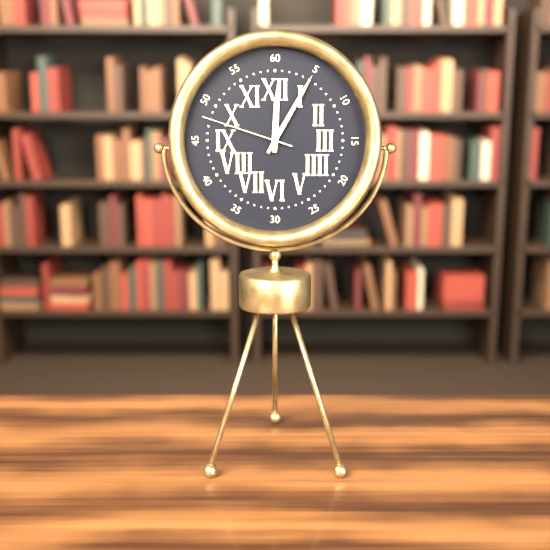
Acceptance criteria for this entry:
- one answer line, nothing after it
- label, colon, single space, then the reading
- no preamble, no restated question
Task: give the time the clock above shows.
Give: 12:05:48
